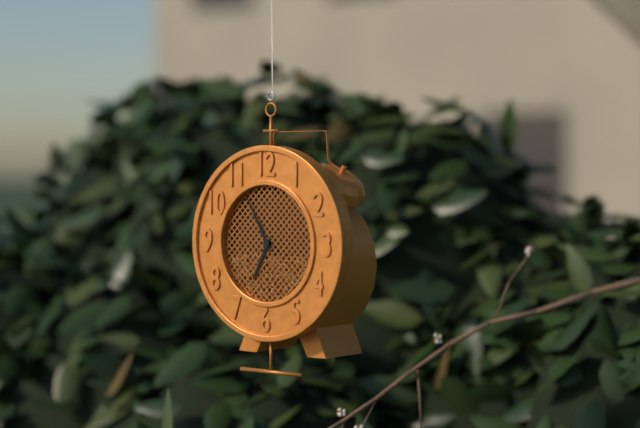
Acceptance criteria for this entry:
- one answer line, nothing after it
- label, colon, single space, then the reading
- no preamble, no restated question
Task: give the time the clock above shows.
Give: 6:55
